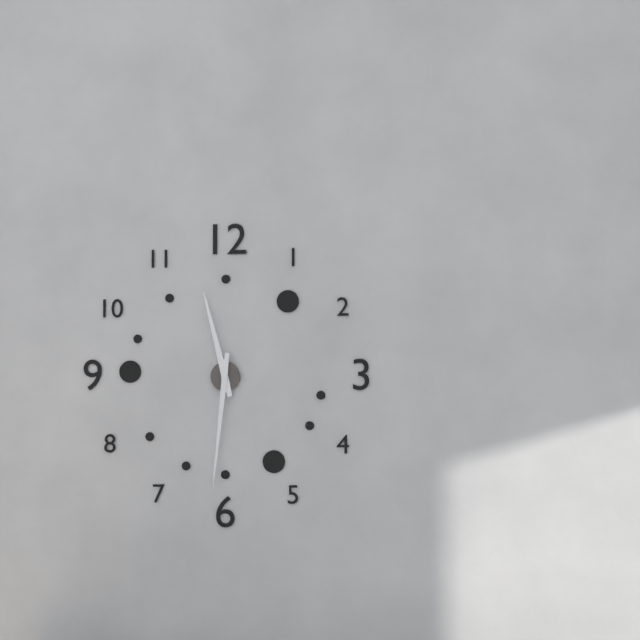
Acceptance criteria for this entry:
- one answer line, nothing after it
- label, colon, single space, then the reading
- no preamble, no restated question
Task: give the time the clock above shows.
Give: 11:31
